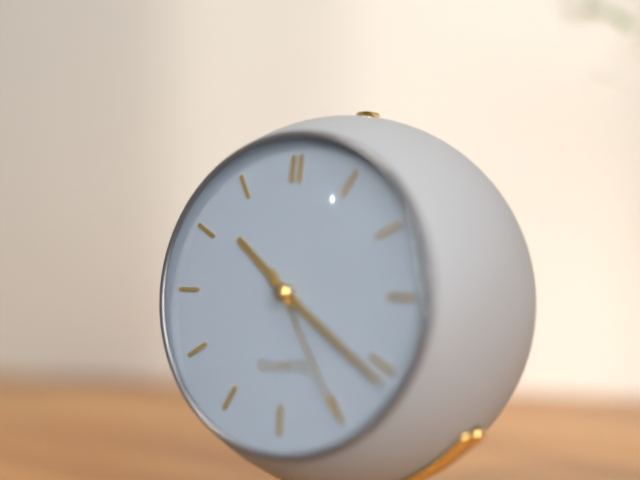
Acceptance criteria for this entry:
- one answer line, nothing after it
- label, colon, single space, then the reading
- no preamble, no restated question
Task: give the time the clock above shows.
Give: 10:21:25
